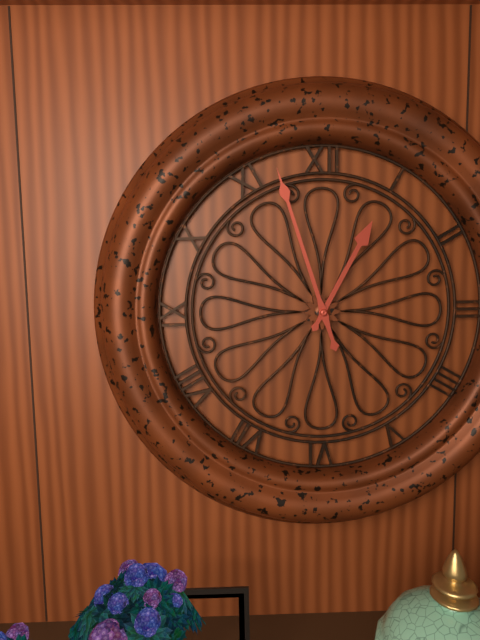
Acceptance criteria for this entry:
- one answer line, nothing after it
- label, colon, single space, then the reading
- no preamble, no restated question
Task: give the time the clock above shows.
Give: 12:57
